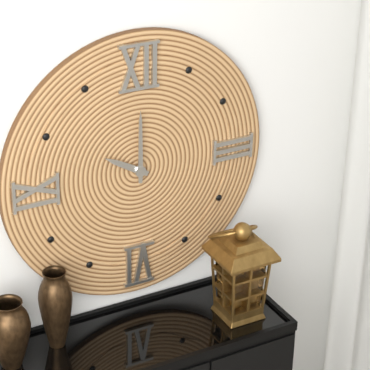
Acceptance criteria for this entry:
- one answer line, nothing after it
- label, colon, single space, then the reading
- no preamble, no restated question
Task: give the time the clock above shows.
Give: 10:00
